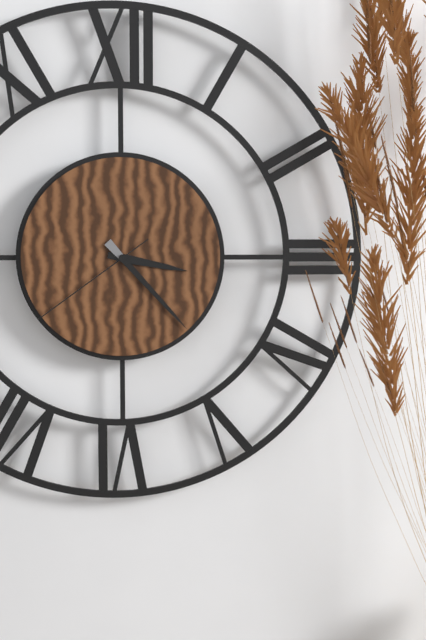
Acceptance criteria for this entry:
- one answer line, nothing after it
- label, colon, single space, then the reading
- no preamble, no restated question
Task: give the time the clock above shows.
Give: 3:23:39
